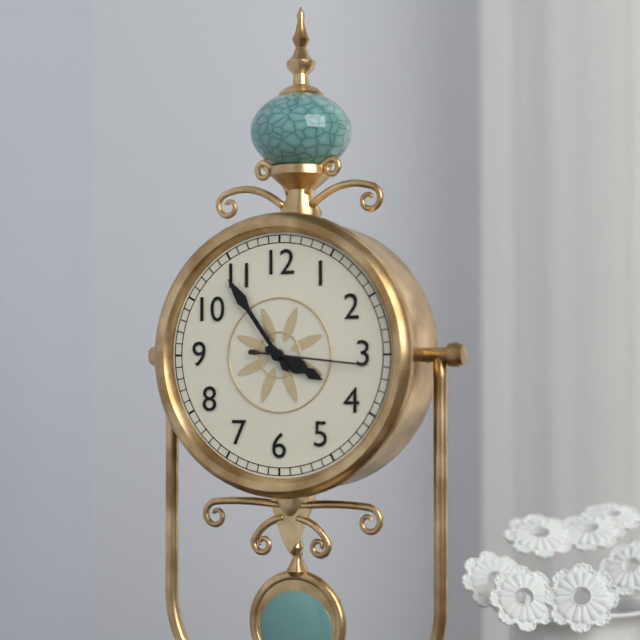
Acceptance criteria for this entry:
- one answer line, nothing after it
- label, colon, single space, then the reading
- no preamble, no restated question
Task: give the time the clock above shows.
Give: 3:54:16
